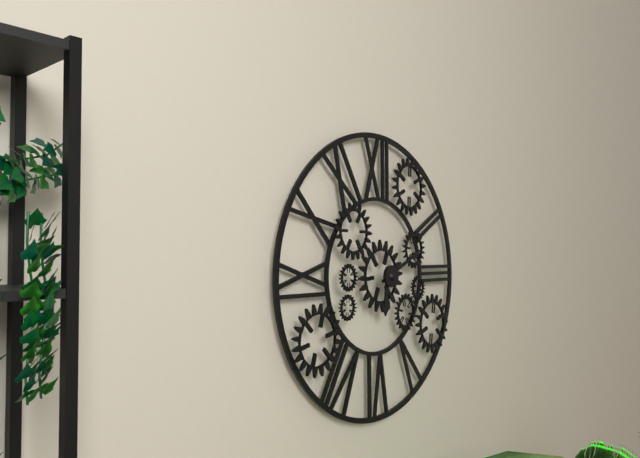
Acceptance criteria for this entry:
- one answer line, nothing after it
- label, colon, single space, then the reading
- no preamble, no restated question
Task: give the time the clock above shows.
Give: 6:11
